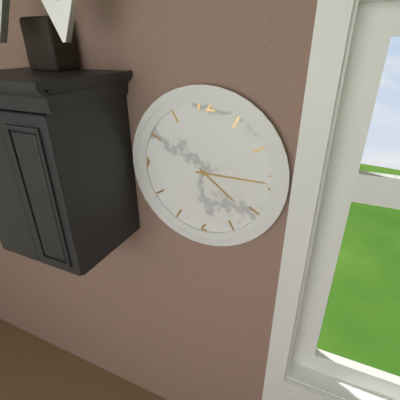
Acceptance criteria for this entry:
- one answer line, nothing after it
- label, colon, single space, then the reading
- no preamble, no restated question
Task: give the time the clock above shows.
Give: 4:15
